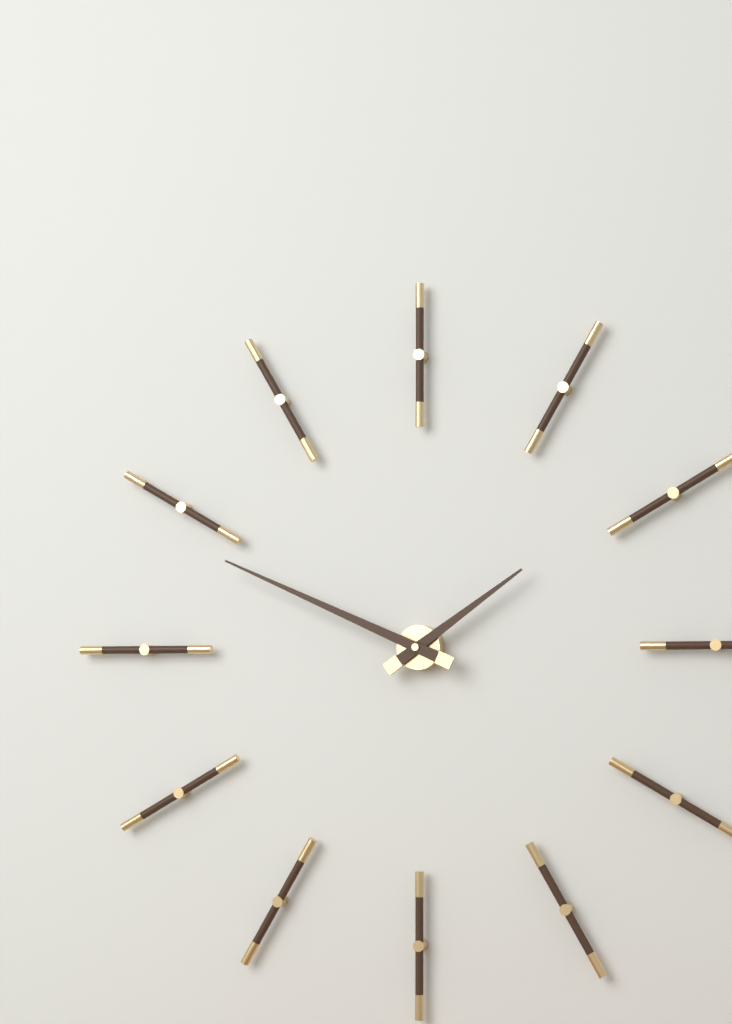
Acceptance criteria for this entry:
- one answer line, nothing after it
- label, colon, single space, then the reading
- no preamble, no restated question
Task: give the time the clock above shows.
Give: 1:49
